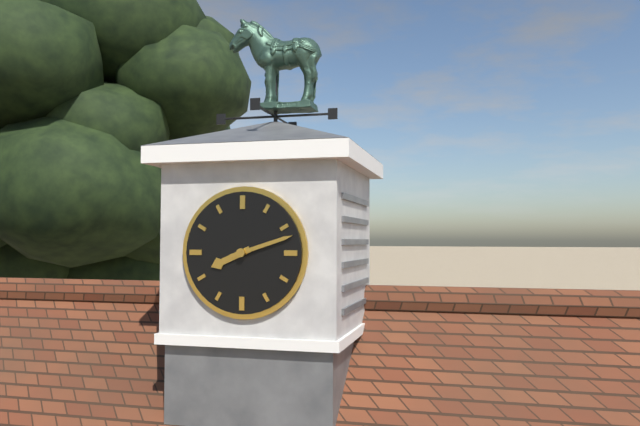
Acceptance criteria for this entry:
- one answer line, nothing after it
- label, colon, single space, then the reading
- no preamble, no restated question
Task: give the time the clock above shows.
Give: 8:12
